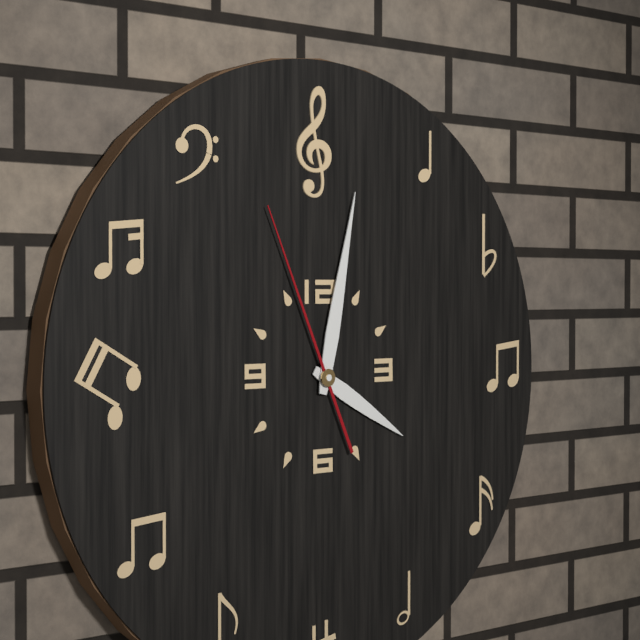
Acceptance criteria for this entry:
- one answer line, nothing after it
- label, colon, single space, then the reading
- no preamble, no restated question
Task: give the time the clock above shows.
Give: 4:02:56
